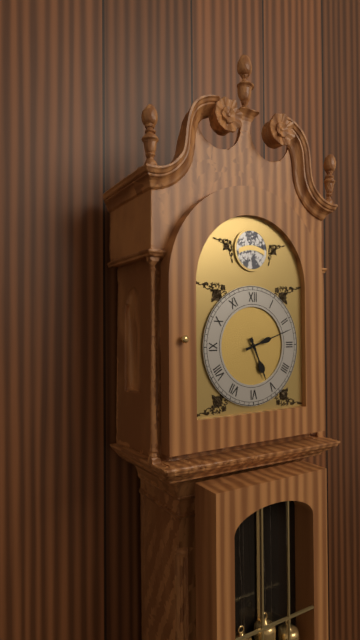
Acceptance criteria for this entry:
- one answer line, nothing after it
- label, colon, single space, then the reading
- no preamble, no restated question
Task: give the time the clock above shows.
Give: 5:12
